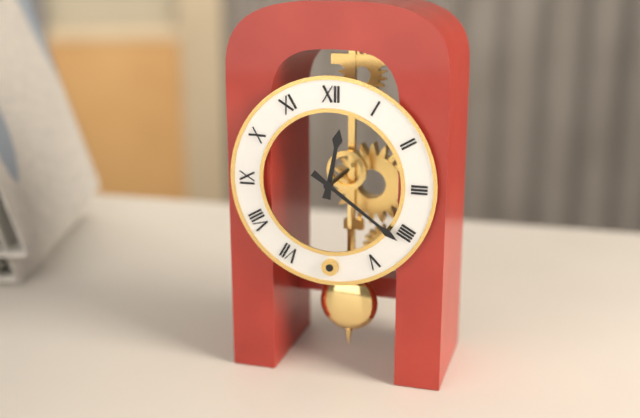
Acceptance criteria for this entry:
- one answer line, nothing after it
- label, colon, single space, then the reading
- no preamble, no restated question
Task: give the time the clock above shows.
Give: 12:21
